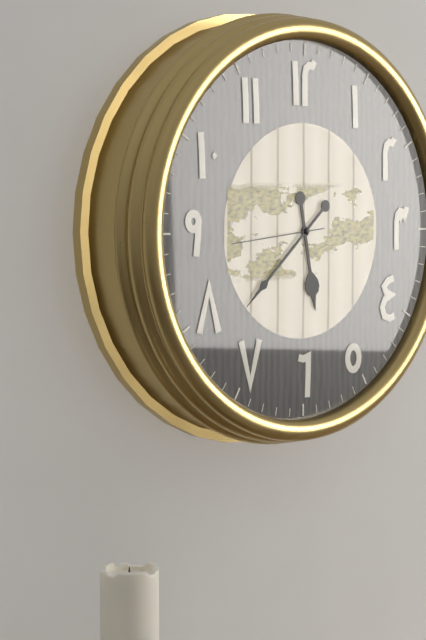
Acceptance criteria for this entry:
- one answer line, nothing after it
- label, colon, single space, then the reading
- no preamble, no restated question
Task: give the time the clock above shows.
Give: 5:38
